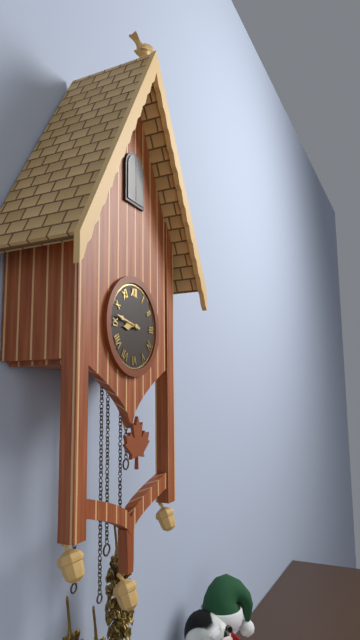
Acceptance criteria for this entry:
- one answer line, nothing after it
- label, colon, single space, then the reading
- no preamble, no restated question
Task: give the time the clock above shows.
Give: 8:47
